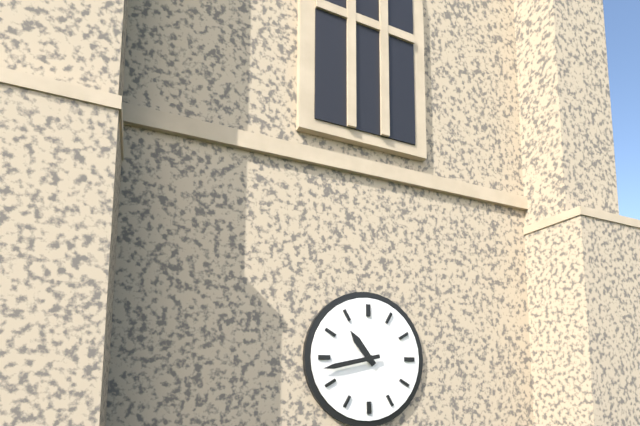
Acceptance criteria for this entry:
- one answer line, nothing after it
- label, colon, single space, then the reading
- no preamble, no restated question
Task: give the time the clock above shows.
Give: 10:43
